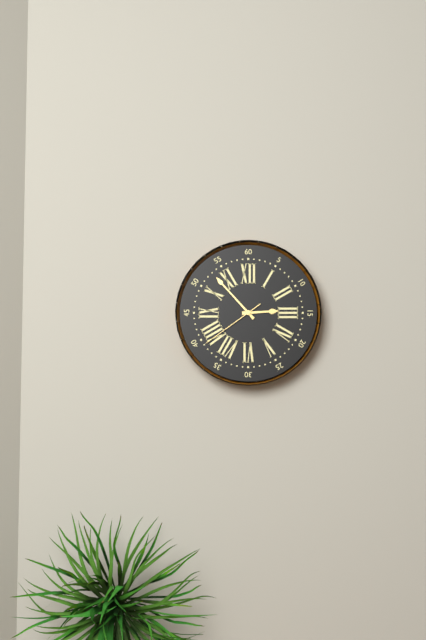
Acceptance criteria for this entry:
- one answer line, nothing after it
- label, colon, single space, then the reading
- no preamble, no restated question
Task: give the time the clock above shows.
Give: 2:53:39
